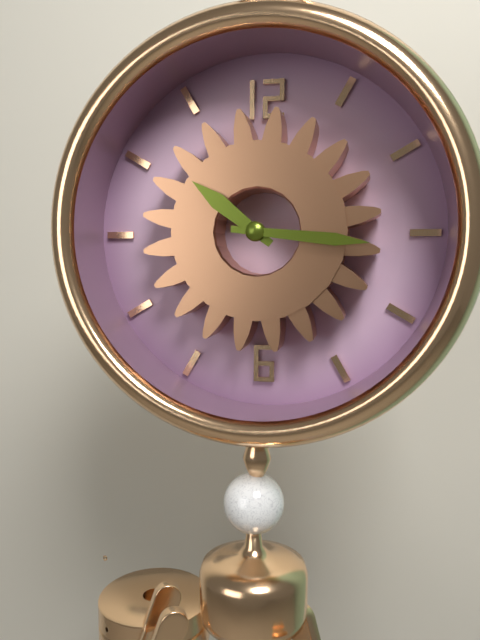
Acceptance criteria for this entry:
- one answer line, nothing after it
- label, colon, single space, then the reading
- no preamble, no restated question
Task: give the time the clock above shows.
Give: 10:16
